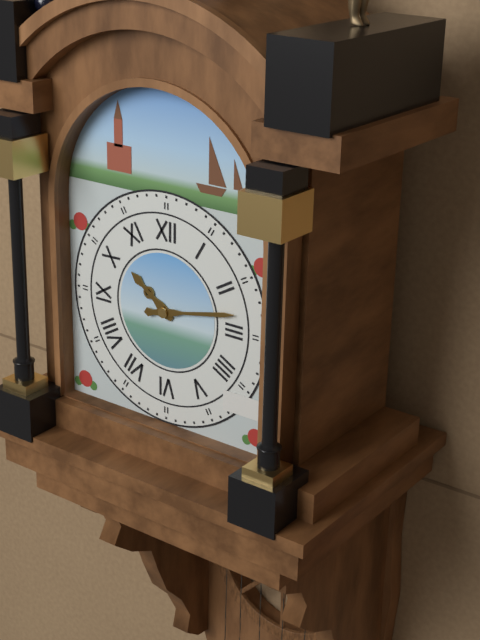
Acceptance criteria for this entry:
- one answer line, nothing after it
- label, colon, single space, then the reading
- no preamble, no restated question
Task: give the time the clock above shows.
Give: 10:13
